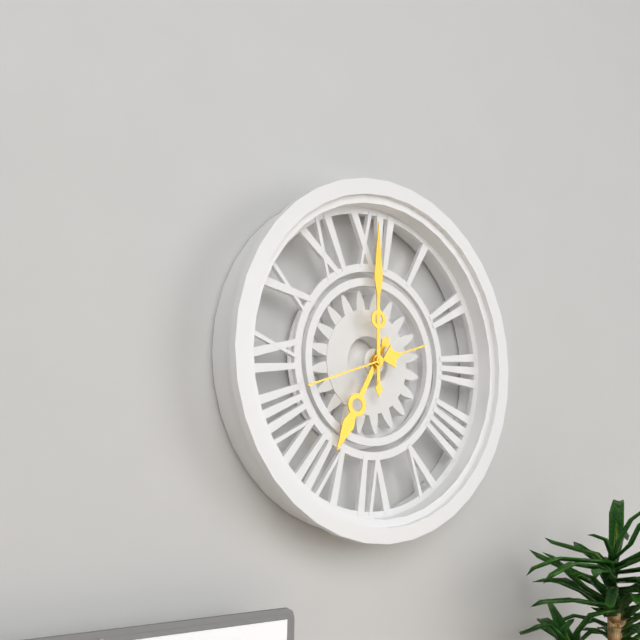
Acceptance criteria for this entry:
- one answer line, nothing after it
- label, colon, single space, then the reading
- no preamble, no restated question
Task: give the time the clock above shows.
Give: 7:00:42
